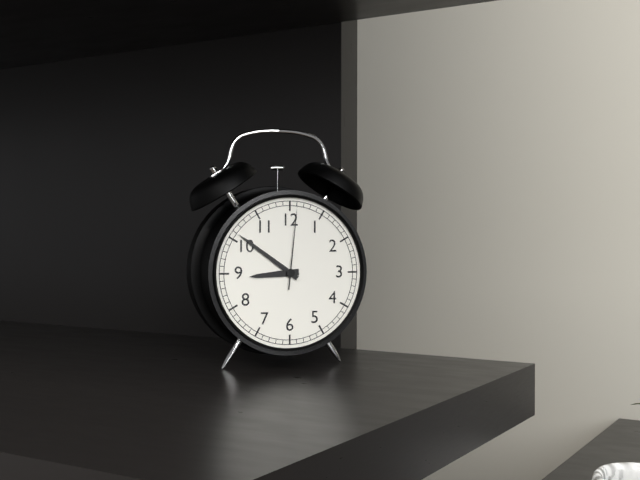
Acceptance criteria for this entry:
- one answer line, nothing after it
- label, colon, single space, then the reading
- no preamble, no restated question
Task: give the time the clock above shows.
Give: 8:51:01
